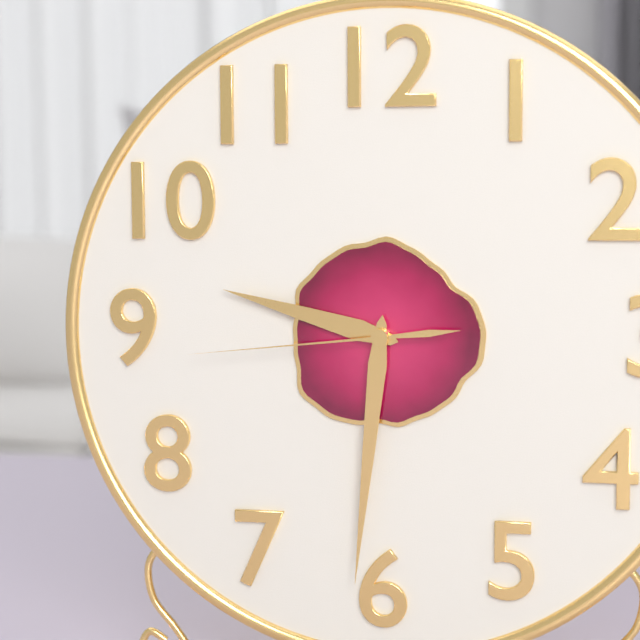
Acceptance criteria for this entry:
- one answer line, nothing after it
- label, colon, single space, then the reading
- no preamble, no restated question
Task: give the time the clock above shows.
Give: 9:31:44
